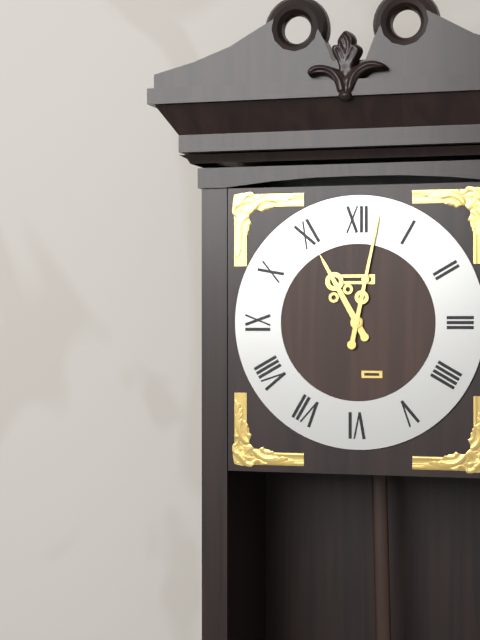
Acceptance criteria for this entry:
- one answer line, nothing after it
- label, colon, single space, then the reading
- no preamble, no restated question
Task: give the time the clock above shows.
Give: 11:02
